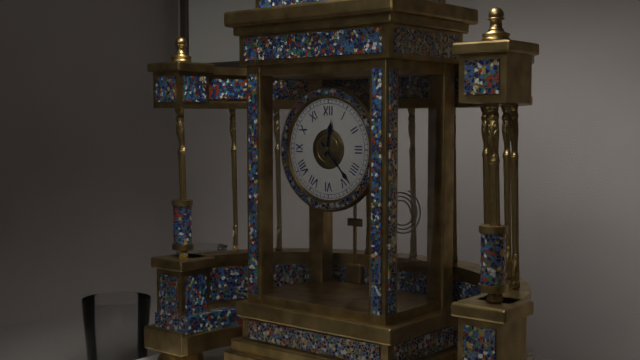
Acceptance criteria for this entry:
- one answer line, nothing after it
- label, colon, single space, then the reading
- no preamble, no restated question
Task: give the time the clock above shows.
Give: 12:23
